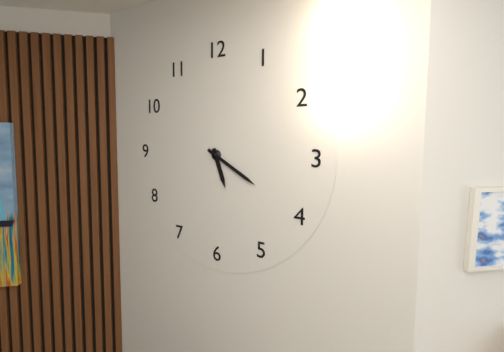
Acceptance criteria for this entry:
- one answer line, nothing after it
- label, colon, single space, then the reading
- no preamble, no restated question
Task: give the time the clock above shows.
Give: 5:20
